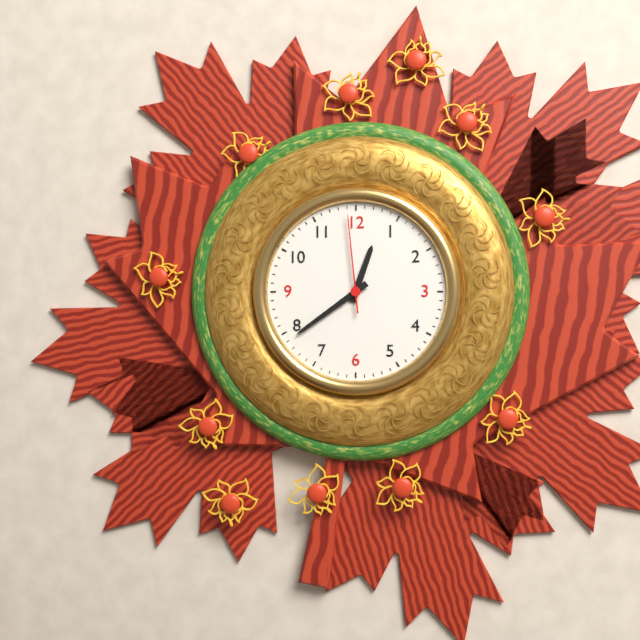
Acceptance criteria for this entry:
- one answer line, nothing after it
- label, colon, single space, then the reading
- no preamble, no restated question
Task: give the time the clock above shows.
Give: 12:39:59
